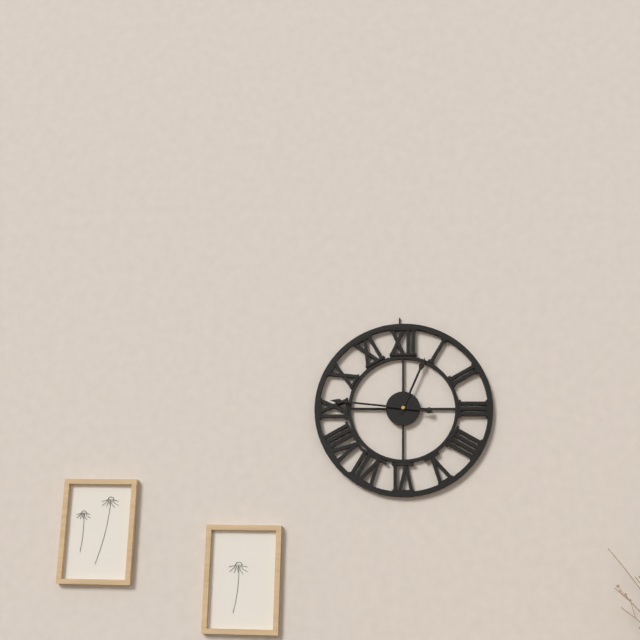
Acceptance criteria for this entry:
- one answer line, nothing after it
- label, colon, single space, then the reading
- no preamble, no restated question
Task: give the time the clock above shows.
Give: 12:46
